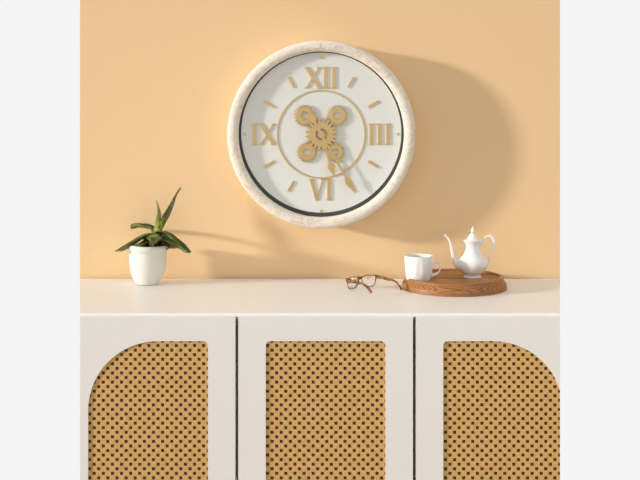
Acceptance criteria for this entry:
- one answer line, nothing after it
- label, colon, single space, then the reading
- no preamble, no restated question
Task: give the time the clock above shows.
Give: 5:25
